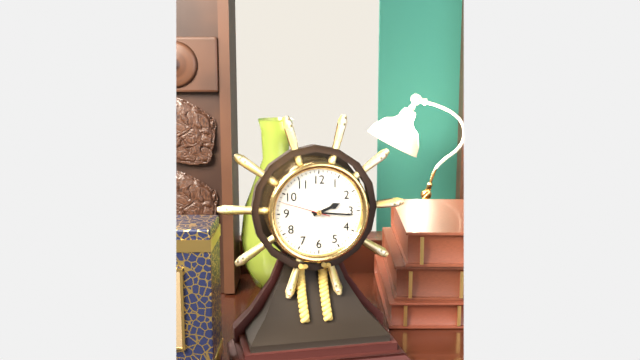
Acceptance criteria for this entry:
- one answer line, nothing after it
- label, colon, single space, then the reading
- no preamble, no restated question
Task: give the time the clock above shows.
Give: 2:16
